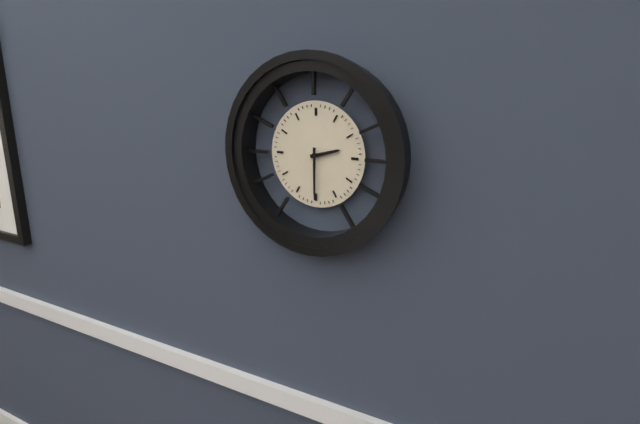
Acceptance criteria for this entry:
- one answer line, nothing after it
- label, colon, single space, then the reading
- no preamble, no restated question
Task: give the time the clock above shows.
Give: 2:30
